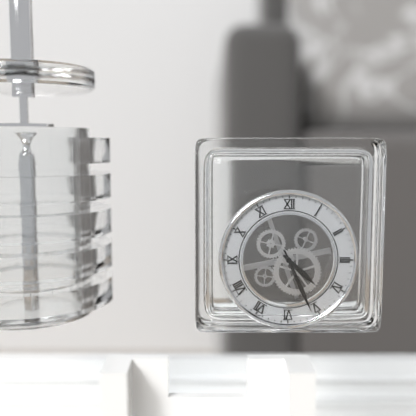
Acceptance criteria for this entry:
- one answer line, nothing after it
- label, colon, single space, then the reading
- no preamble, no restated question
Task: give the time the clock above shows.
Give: 4:26
